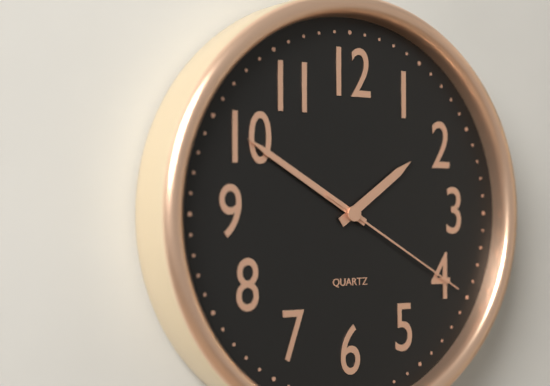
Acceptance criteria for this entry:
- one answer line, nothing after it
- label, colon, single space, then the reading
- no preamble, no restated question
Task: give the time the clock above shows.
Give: 1:50:20
